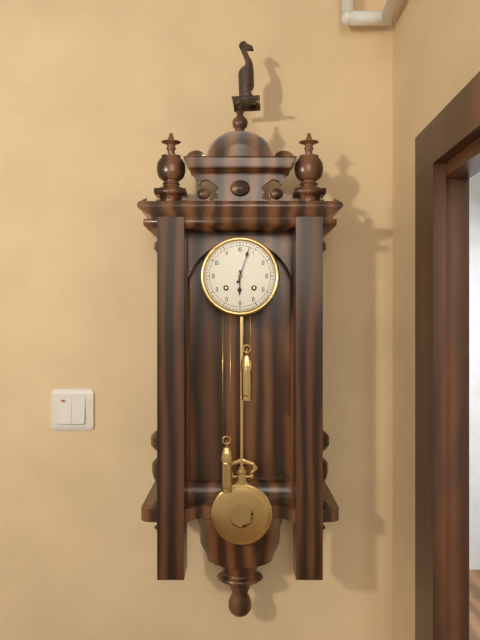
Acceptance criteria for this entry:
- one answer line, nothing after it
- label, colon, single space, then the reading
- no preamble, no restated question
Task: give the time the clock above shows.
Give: 6:03
